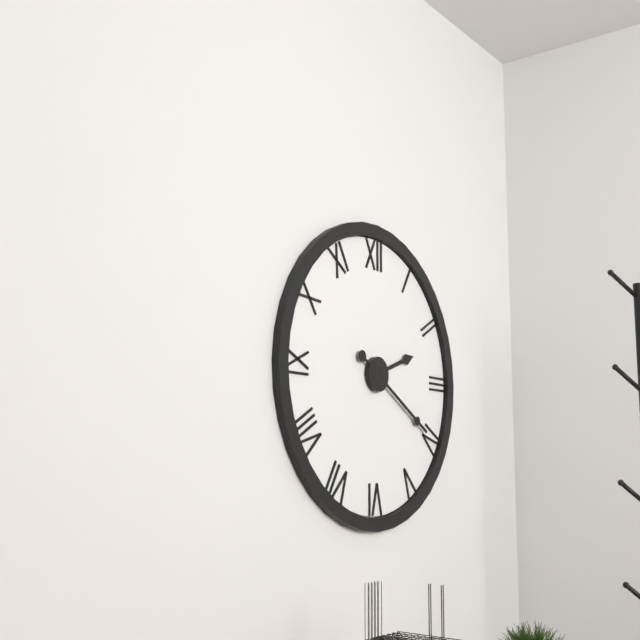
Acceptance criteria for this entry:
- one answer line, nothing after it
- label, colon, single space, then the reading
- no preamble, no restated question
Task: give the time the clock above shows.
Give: 2:20
